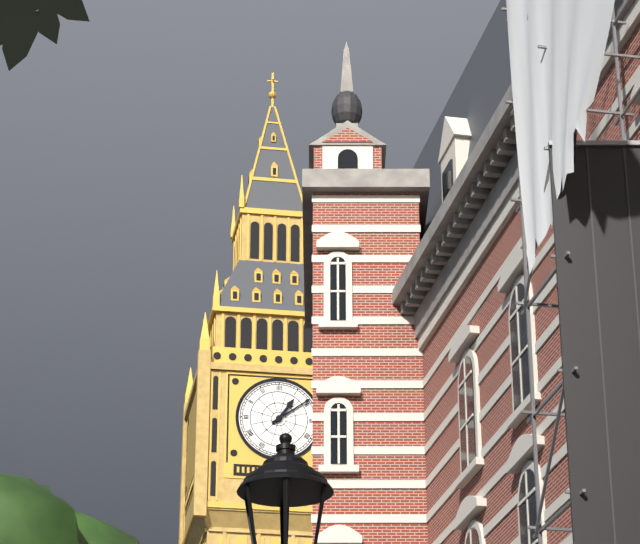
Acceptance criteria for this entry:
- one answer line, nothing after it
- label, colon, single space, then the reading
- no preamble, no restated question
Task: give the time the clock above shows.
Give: 1:09
